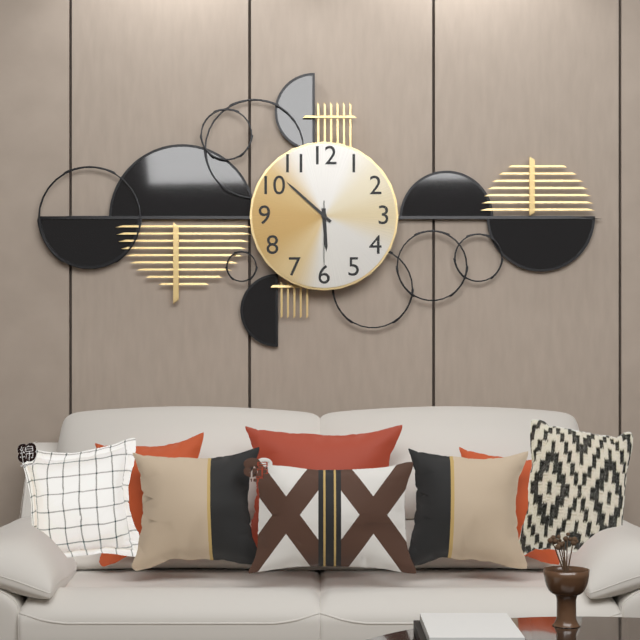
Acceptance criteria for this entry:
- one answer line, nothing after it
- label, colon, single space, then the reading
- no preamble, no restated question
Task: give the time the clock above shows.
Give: 5:52:30
